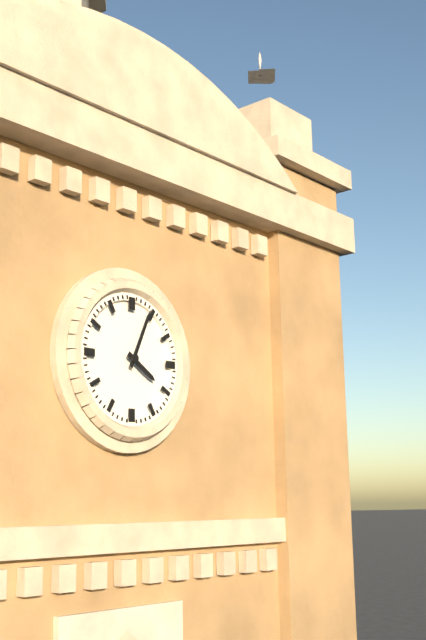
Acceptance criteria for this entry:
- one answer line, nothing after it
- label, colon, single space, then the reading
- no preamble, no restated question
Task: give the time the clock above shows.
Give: 4:04
